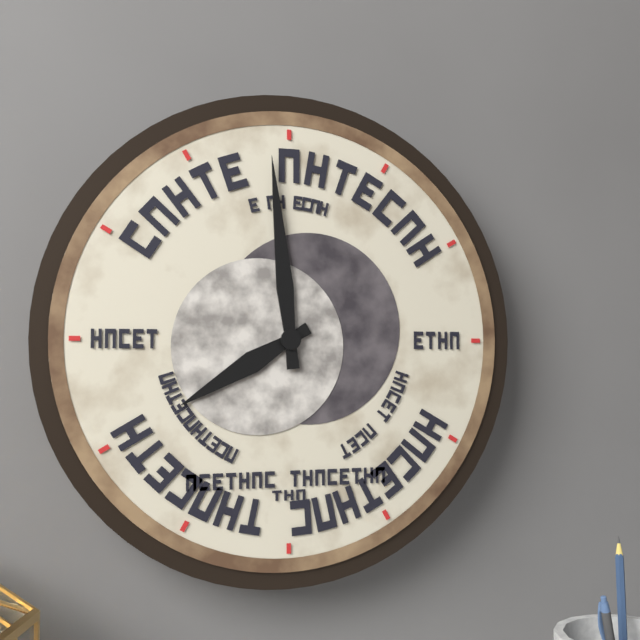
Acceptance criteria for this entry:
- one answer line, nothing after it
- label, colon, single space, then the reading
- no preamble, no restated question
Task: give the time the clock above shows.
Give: 7:59
